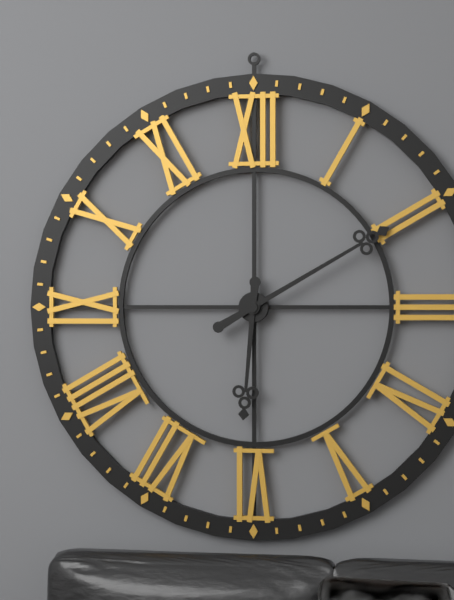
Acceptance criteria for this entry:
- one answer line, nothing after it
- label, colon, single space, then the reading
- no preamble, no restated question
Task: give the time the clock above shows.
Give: 6:10
